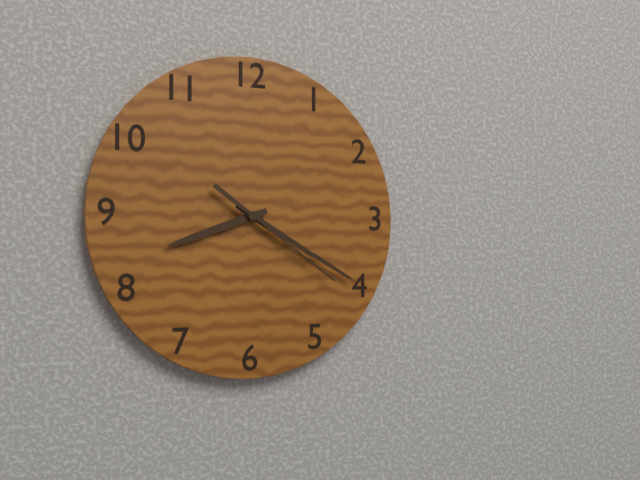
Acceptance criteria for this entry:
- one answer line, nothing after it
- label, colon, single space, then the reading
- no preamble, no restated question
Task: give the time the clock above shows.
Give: 8:20:21
